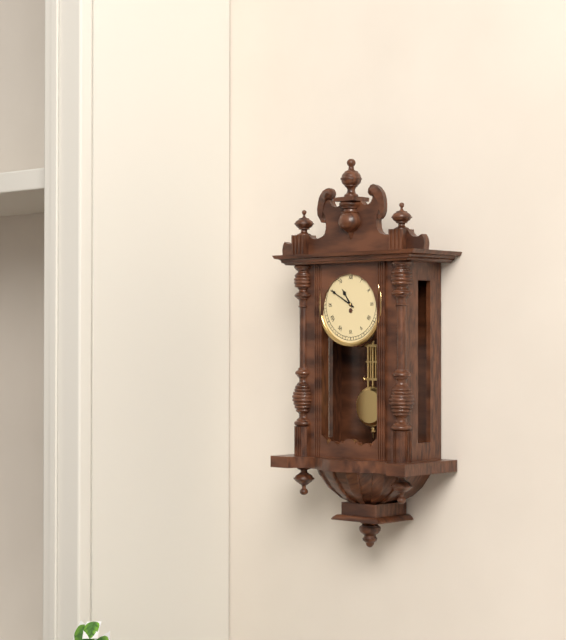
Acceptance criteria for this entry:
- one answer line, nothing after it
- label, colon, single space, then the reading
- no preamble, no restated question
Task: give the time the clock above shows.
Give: 10:50
